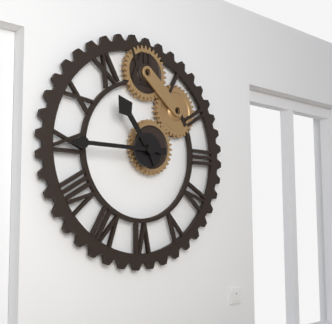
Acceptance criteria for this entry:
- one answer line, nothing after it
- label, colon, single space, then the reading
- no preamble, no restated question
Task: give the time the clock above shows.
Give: 10:45
